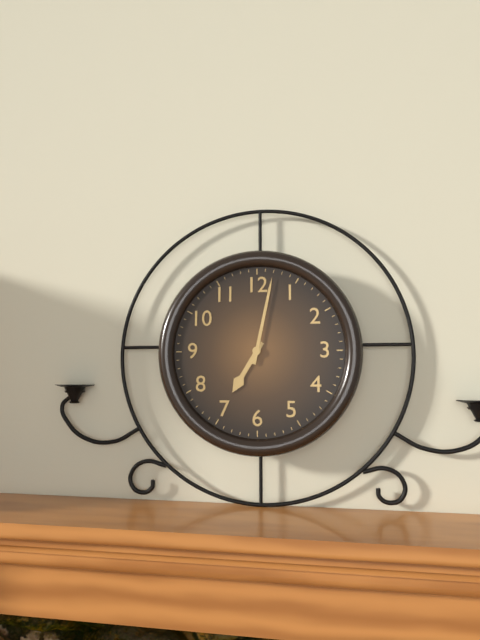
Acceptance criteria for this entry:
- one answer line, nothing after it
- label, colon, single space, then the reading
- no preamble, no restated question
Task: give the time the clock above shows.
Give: 7:02
